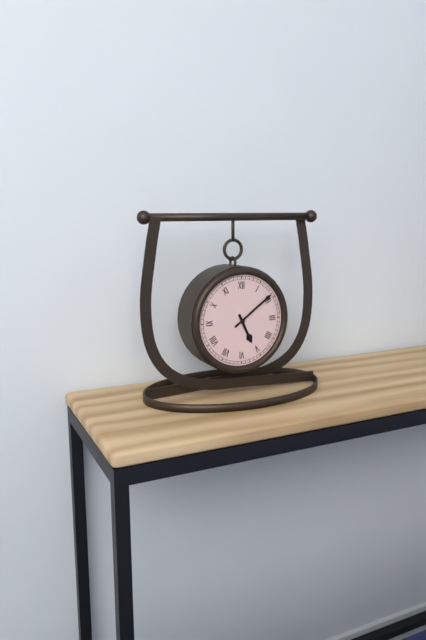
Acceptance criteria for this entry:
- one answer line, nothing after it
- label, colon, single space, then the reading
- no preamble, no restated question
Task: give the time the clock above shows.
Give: 5:09
